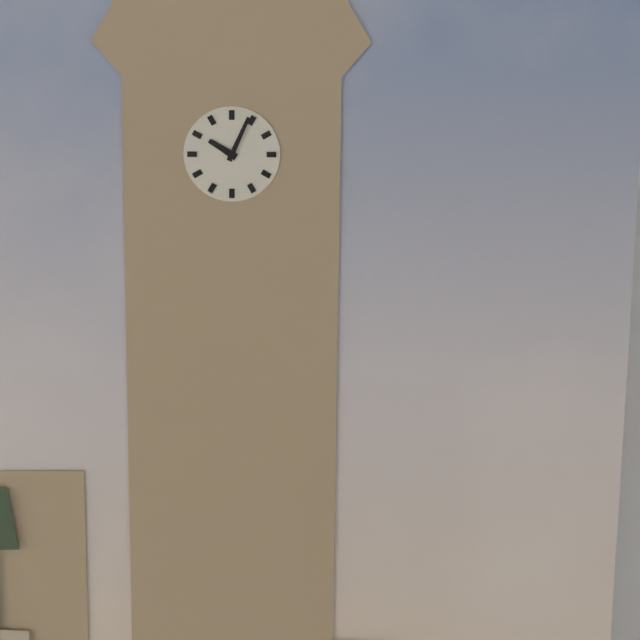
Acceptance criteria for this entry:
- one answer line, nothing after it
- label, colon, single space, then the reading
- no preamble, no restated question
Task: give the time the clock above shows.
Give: 10:04
